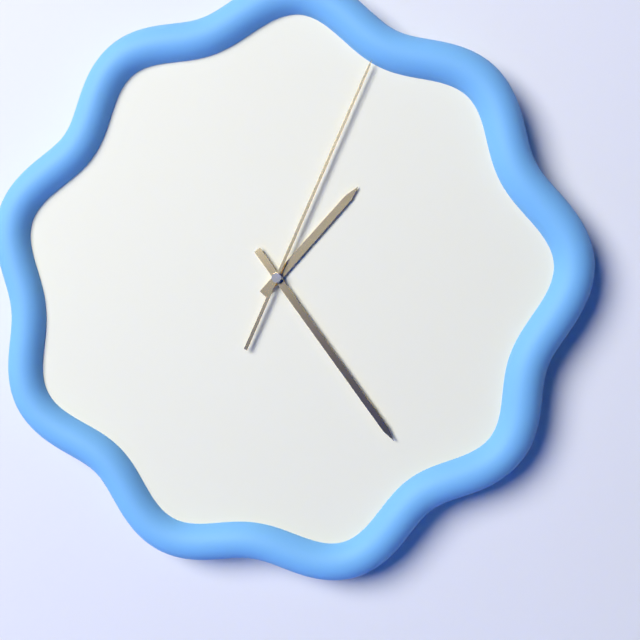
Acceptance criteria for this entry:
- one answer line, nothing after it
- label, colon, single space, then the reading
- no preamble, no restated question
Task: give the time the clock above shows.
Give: 1:24:04
